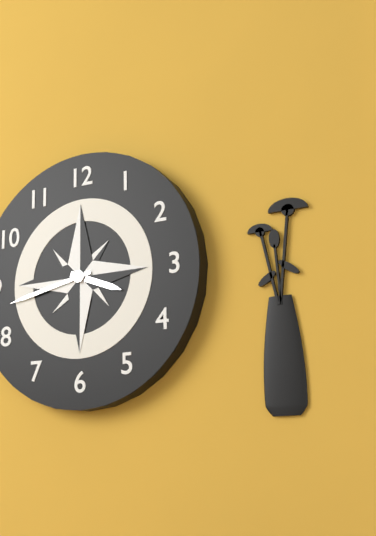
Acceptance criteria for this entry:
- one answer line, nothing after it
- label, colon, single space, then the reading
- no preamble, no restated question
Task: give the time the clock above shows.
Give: 3:43
